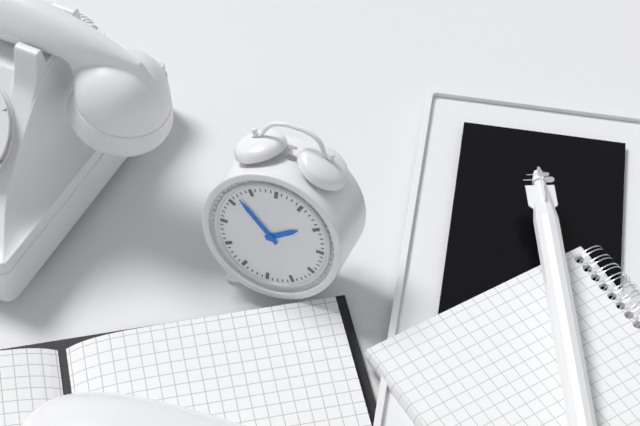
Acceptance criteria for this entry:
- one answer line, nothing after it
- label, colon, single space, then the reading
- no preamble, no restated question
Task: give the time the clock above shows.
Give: 1:52
